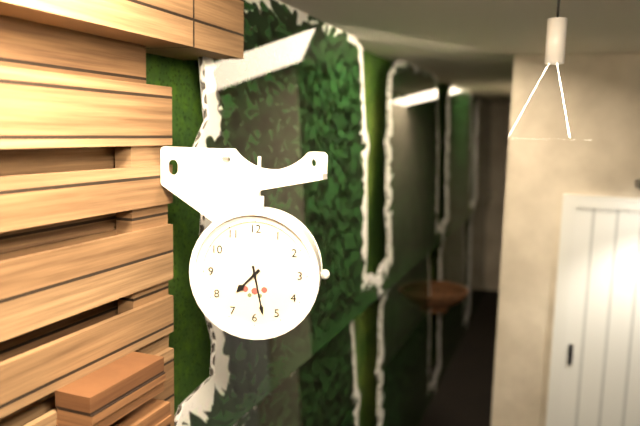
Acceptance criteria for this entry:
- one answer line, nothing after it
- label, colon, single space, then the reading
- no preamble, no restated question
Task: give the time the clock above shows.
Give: 7:28
